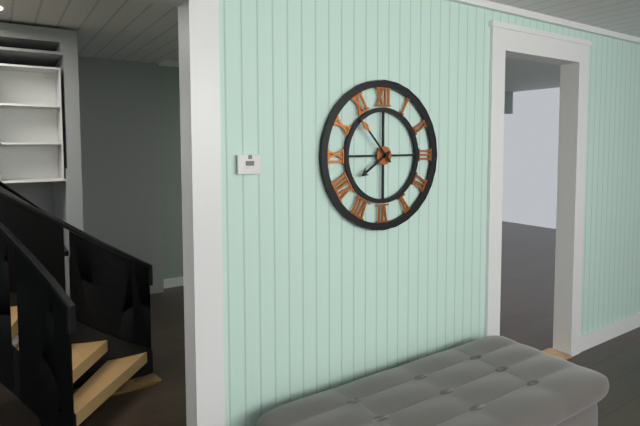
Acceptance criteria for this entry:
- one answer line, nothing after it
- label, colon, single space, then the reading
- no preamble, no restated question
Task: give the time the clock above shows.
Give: 7:53
